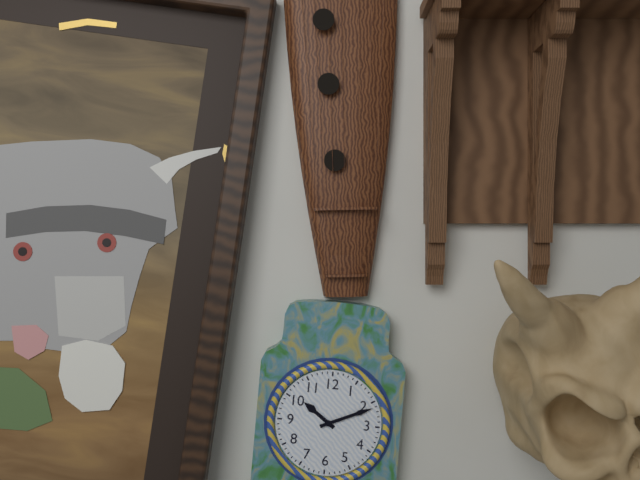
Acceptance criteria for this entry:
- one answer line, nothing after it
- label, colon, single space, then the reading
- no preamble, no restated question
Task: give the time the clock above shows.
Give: 10:11
